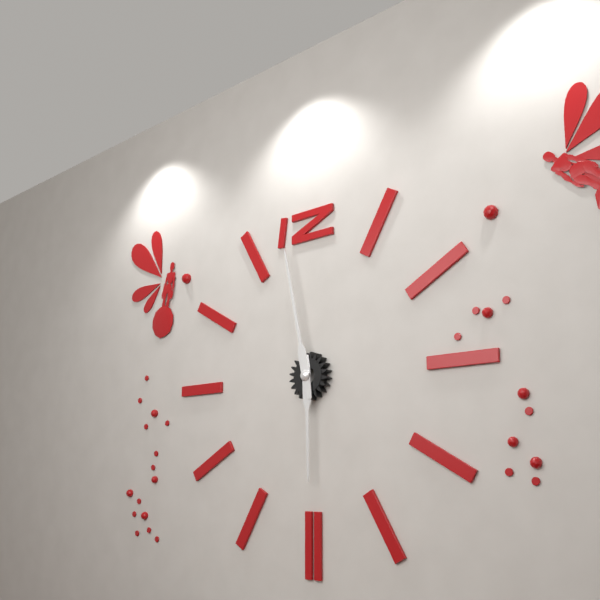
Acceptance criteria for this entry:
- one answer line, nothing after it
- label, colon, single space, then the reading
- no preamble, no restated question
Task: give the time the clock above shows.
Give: 5:58
